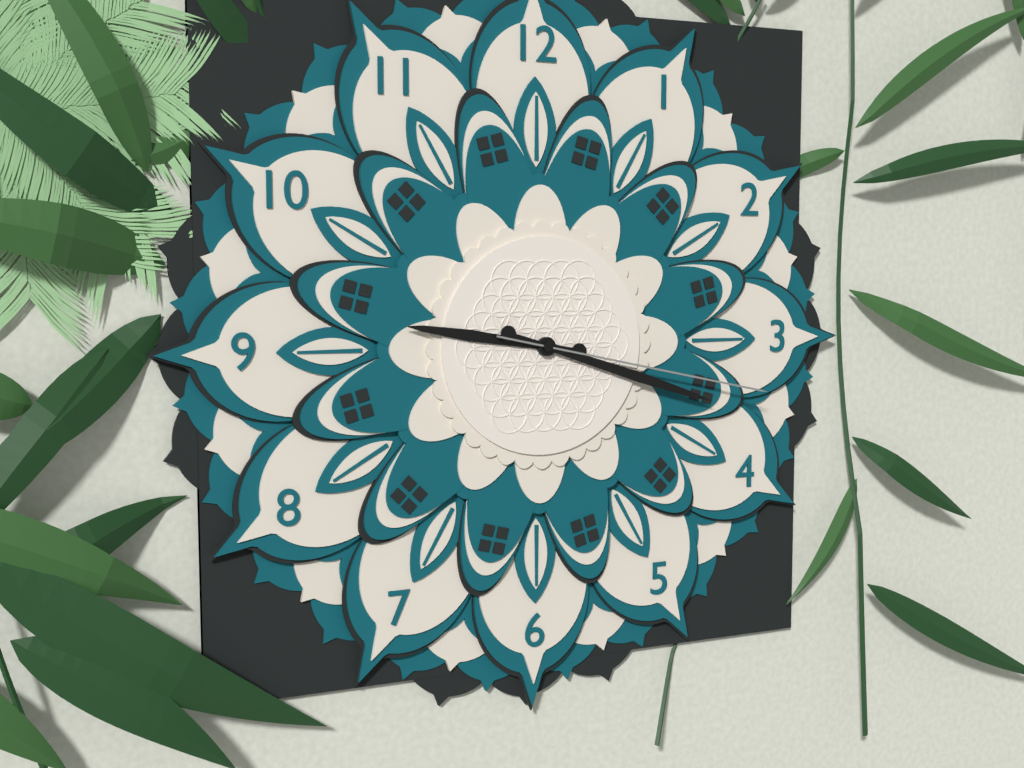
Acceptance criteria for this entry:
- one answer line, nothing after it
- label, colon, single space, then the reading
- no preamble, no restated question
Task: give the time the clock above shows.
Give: 9:18:17
